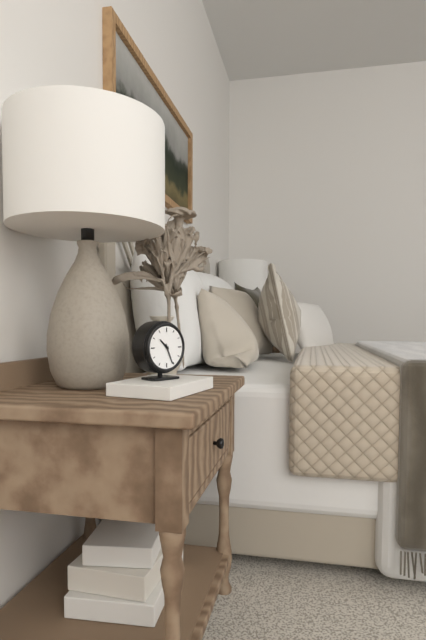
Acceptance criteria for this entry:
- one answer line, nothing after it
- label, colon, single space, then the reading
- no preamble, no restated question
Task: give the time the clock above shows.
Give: 10:26
